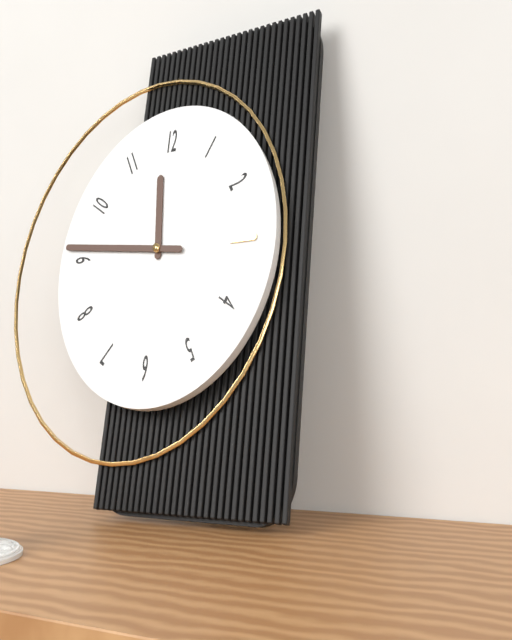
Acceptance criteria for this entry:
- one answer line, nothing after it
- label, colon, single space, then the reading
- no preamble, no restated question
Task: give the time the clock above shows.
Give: 11:46
